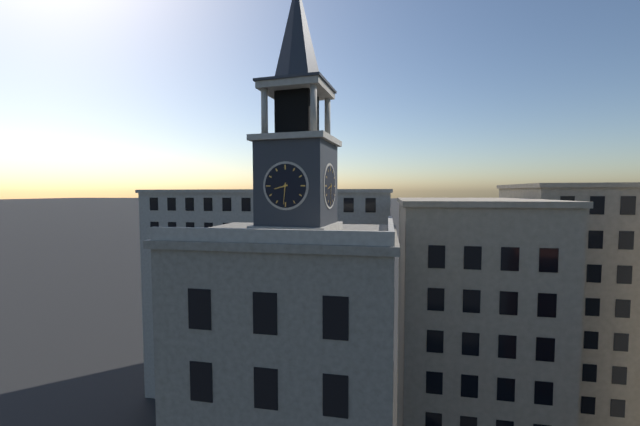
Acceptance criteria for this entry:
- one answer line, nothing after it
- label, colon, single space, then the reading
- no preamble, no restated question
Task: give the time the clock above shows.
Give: 8:31
